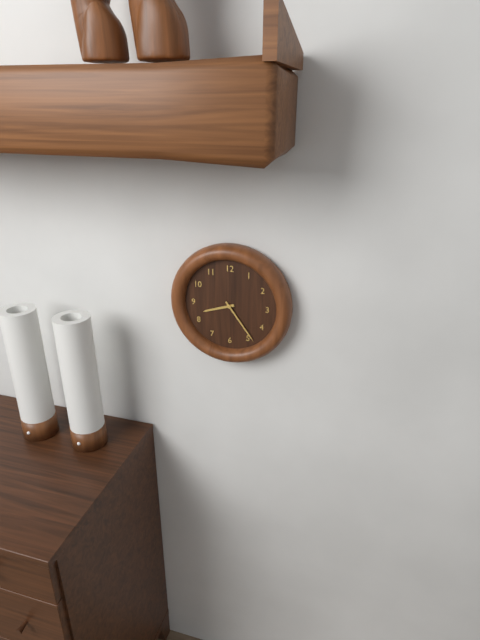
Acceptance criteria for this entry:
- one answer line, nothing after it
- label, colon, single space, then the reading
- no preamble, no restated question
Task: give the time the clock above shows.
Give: 8:24
